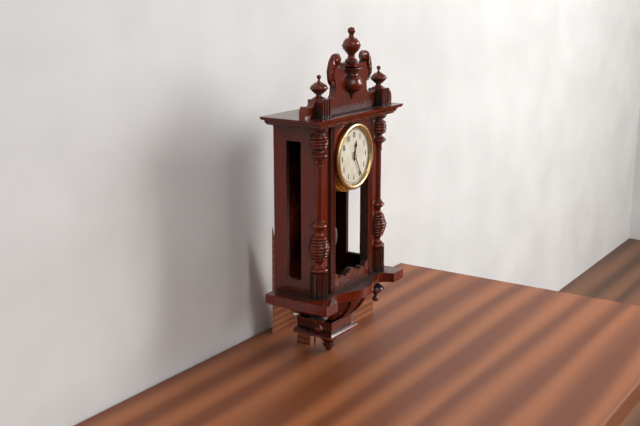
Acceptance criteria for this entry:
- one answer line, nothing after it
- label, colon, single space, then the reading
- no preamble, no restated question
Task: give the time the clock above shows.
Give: 12:25
